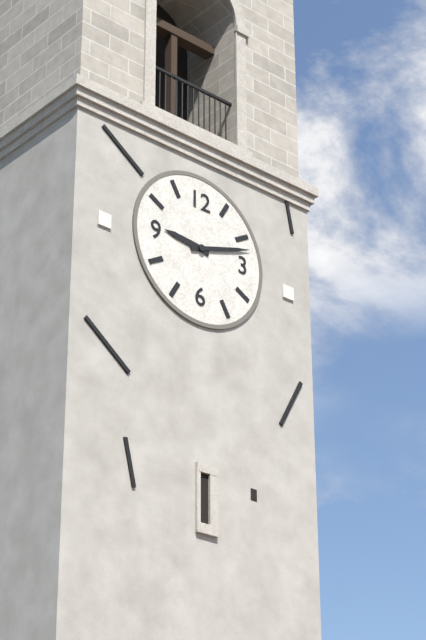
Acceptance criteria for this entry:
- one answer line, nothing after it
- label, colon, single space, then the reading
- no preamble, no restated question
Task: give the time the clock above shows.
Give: 9:12
